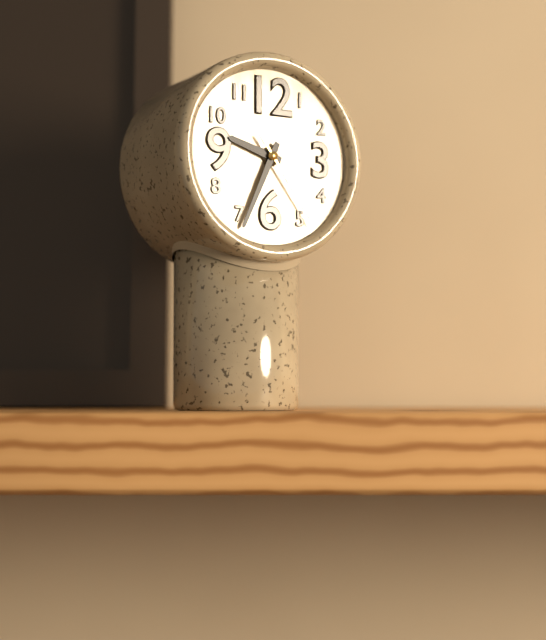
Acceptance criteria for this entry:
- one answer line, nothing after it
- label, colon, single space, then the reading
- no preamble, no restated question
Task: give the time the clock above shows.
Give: 9:34:24
